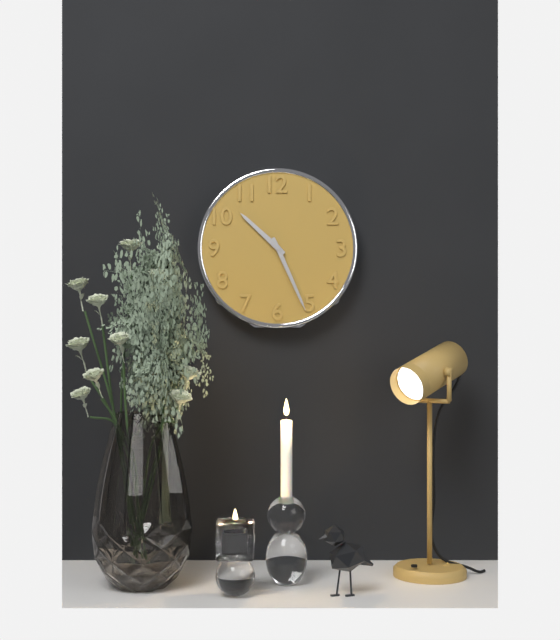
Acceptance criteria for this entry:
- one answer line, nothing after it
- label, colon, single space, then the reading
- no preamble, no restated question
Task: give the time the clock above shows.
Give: 10:26
